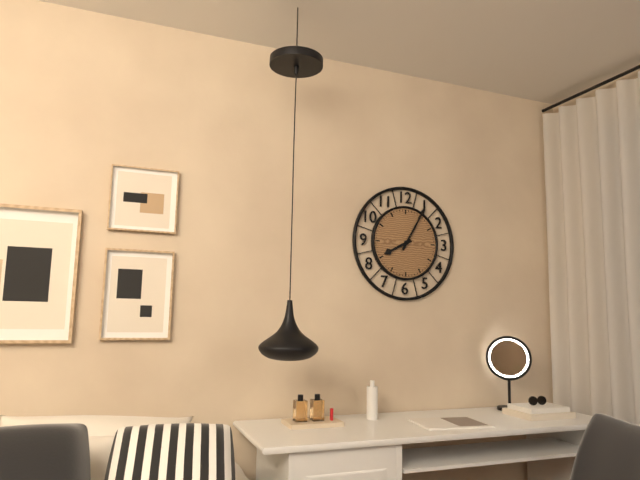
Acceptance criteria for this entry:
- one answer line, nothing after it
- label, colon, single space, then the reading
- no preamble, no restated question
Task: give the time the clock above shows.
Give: 8:05
